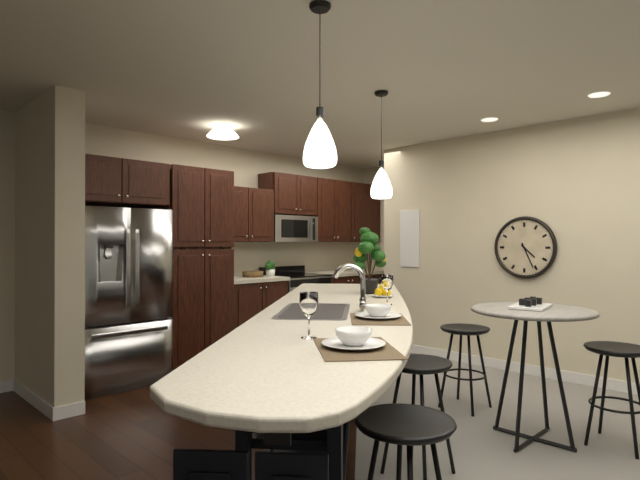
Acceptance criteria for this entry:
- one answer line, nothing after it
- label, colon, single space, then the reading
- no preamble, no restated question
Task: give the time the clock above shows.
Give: 4:26
